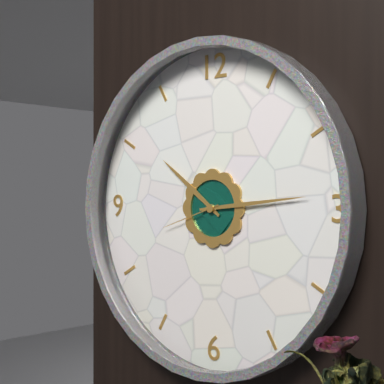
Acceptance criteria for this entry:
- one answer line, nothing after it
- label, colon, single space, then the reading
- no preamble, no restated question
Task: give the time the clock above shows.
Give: 10:14:42
